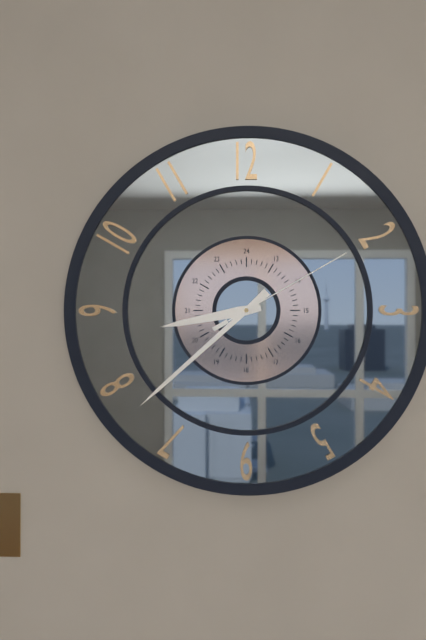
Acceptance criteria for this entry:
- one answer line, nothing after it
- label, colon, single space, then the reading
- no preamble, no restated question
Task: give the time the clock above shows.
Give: 8:38:10
